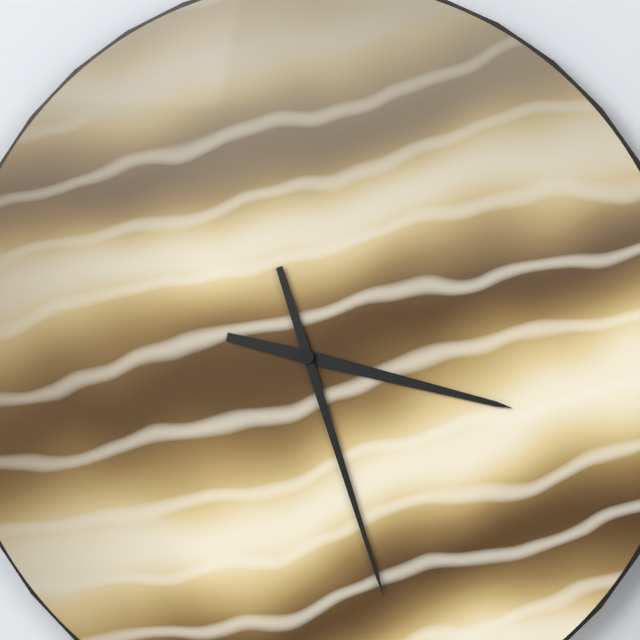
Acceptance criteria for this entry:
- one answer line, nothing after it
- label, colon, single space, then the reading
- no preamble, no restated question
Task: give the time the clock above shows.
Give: 3:27
